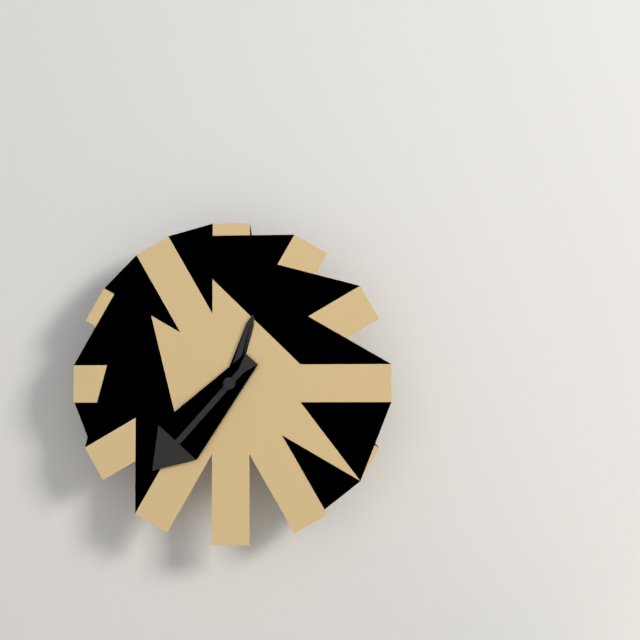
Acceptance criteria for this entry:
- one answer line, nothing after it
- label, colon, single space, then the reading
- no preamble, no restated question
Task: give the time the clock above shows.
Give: 12:37
